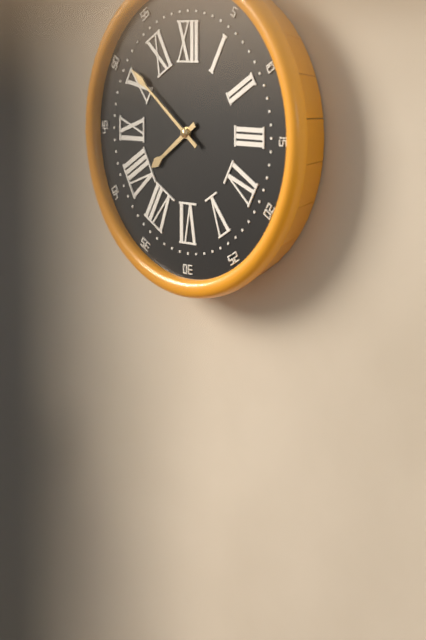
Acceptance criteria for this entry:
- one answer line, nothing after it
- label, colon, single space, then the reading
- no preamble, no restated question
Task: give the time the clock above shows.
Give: 7:51
